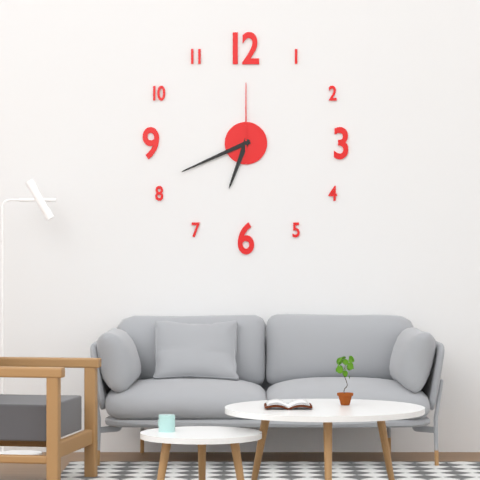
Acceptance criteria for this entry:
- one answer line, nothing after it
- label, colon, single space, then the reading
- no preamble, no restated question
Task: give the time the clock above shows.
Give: 6:41:00
